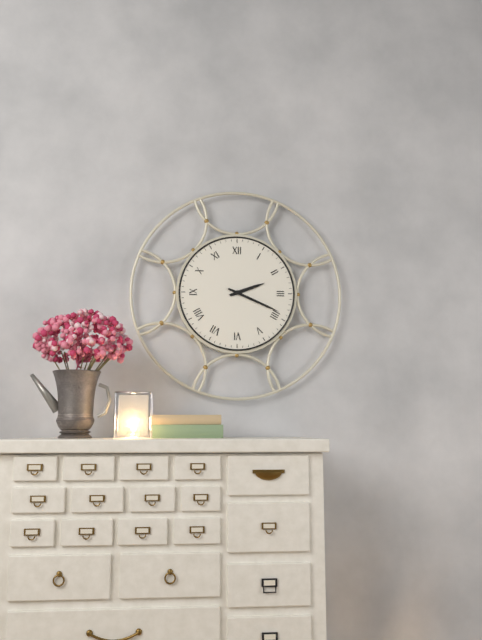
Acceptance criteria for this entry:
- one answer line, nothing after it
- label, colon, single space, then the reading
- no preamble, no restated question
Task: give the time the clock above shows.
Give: 2:19
